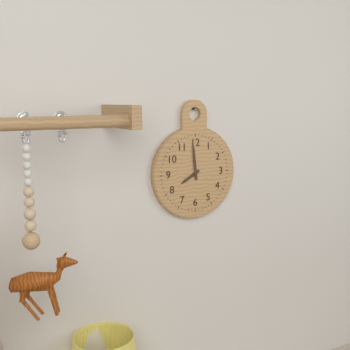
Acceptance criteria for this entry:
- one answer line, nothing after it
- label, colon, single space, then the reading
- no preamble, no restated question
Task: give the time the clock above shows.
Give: 7:59
